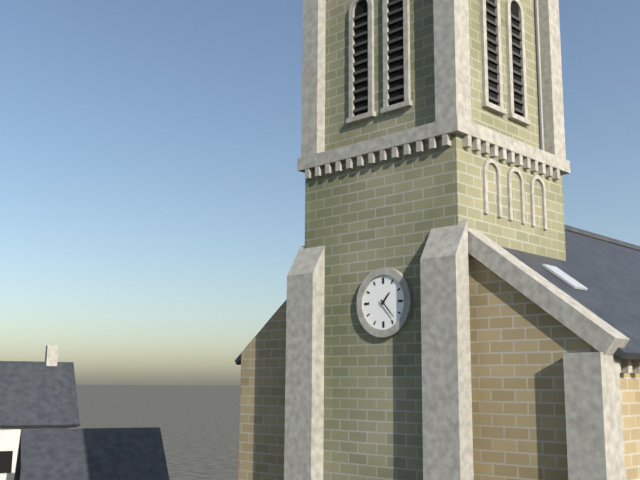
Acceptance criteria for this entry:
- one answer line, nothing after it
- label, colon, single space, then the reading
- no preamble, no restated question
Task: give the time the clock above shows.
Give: 1:23
